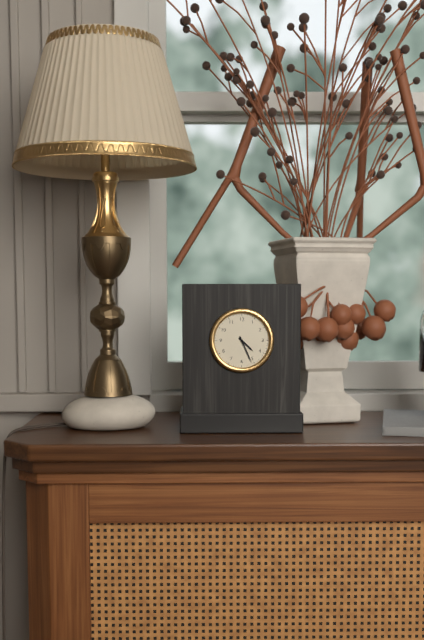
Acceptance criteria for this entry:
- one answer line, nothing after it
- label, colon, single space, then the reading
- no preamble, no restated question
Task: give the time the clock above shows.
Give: 4:26
